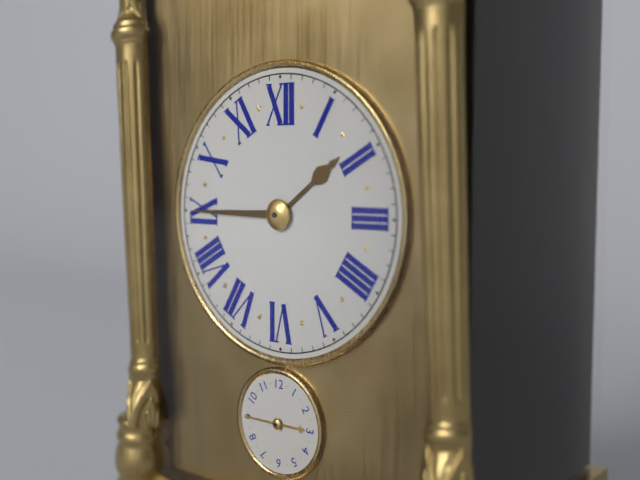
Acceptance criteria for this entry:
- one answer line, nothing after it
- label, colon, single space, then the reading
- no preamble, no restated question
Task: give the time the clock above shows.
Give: 1:45
